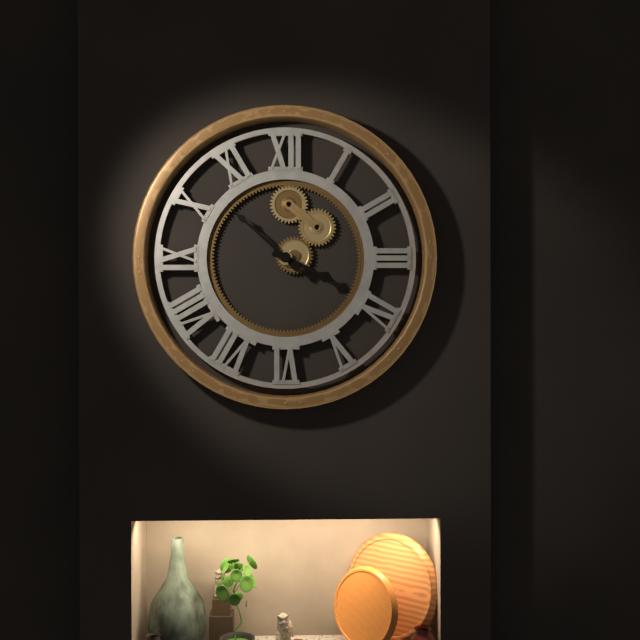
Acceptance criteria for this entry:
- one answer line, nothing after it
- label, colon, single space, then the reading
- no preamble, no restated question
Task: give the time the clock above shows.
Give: 3:52
